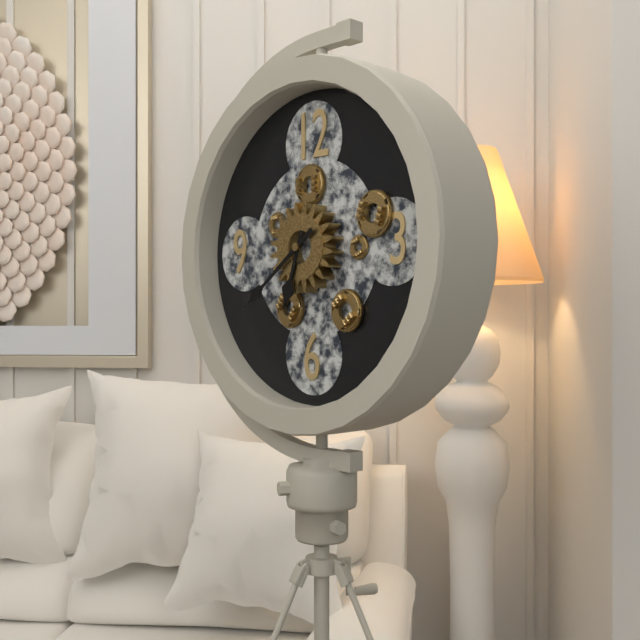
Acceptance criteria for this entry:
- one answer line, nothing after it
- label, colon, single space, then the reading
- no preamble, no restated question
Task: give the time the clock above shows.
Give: 6:39
